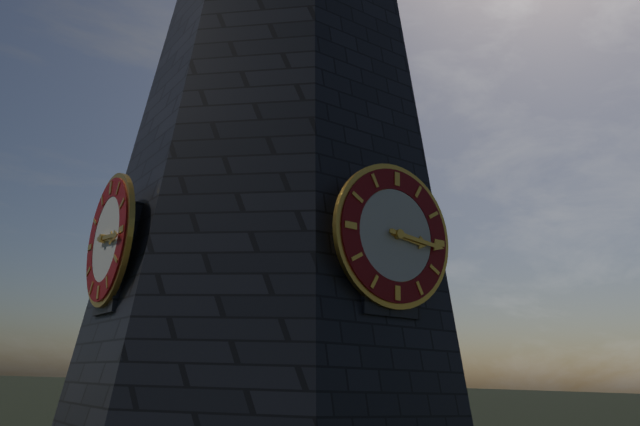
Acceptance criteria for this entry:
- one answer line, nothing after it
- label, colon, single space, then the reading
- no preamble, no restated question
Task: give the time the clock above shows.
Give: 3:16
